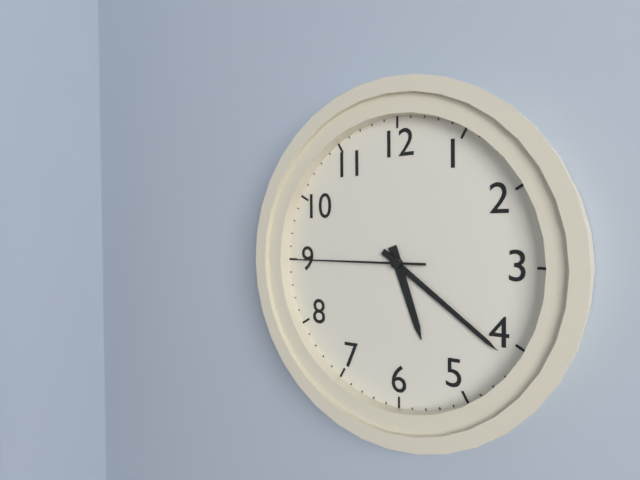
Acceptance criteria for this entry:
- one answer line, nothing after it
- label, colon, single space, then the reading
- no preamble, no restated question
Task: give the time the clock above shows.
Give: 5:21:45
